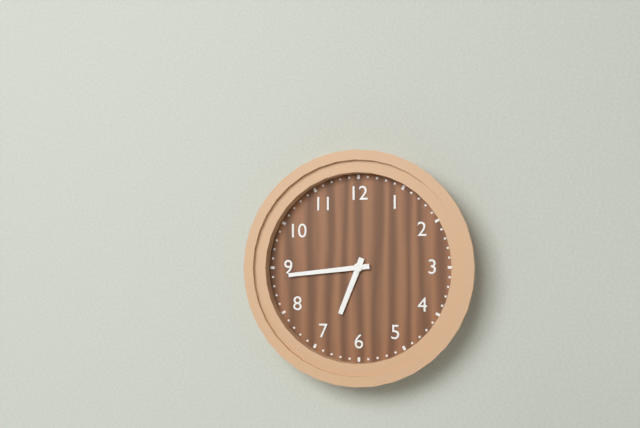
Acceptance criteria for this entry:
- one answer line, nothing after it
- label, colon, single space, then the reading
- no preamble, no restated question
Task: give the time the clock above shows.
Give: 6:44
